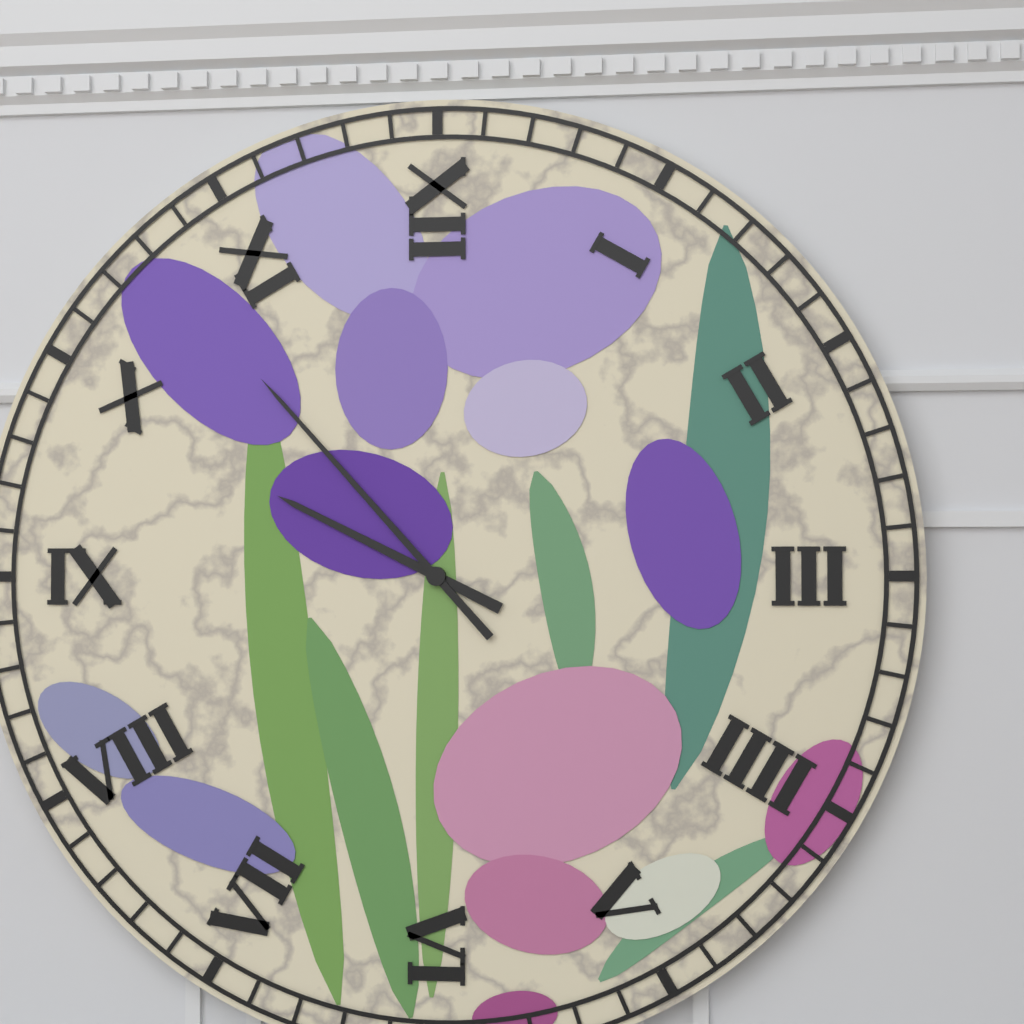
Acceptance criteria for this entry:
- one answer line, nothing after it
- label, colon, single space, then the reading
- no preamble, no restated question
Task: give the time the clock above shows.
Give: 9:53
